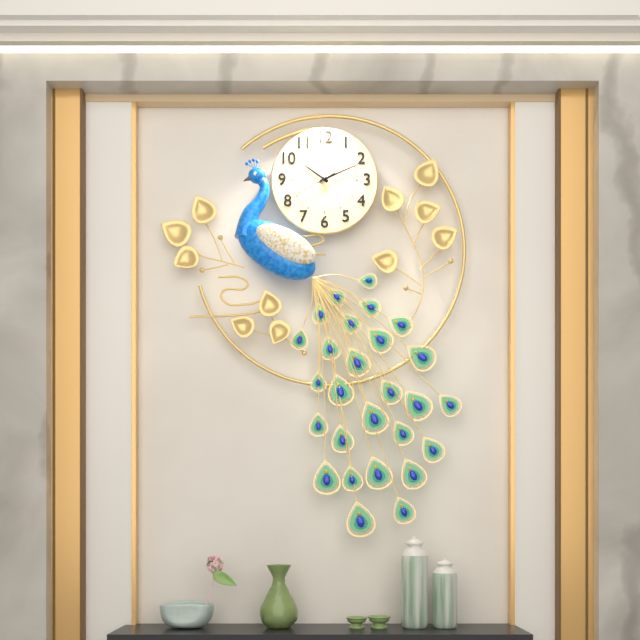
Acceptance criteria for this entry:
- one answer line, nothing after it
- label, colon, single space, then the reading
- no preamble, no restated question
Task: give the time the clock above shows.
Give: 10:11:40
